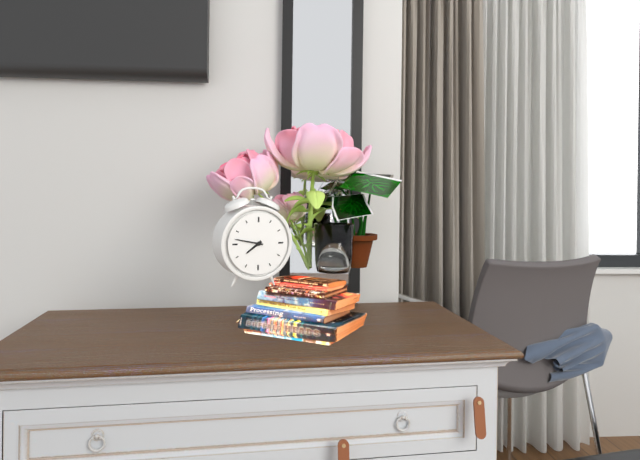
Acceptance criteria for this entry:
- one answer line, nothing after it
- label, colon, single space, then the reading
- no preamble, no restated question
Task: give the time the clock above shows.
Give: 7:47
